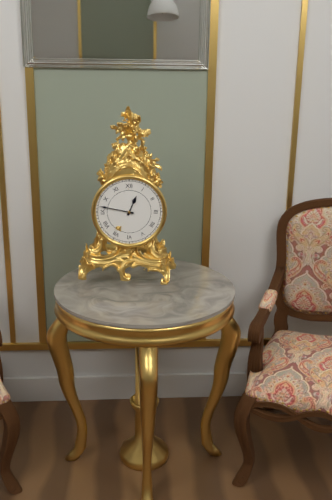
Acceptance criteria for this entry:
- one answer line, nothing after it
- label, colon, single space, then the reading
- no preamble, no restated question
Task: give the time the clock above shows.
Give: 12:47
